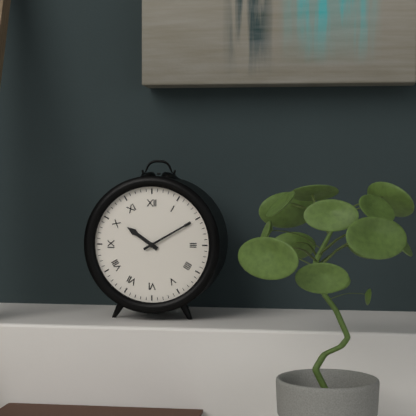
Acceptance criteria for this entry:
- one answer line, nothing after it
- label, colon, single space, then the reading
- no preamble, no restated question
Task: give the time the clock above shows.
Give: 10:10
